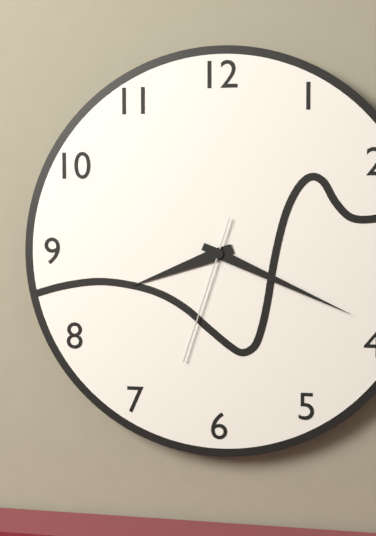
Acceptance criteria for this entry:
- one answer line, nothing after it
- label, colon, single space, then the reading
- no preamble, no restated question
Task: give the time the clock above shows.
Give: 8:19:33
